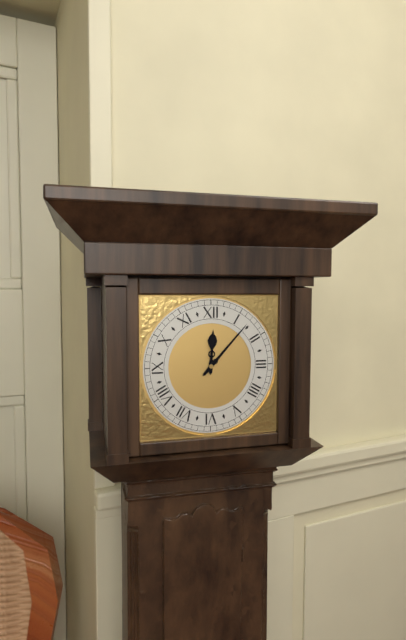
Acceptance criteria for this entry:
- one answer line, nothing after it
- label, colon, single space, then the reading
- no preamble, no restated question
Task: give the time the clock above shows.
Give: 12:07
